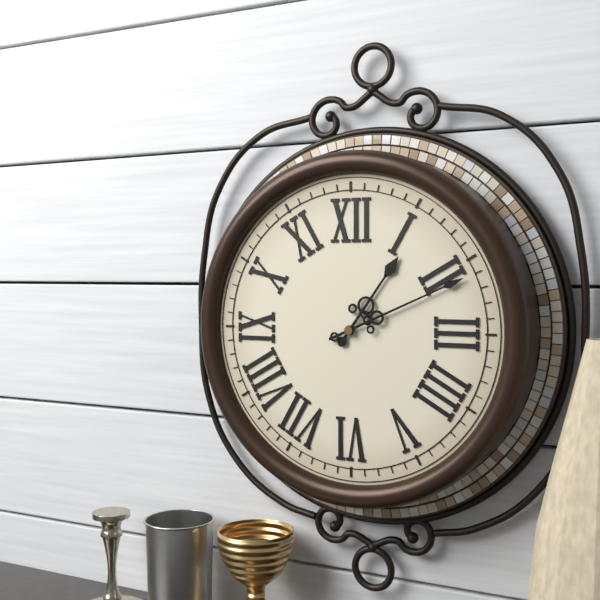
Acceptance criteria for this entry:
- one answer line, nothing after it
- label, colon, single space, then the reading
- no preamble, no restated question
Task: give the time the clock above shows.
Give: 1:11
